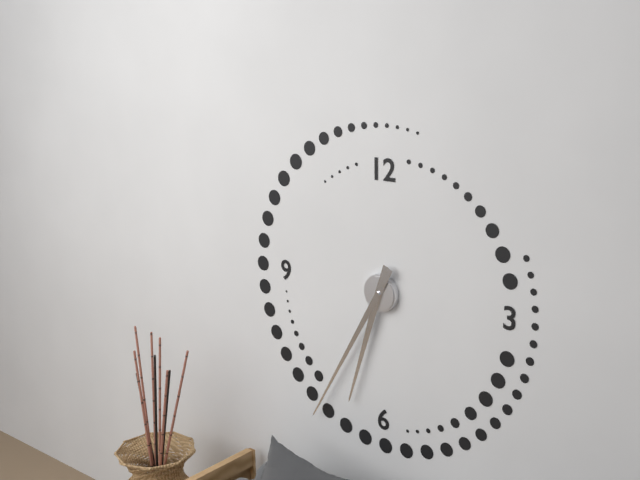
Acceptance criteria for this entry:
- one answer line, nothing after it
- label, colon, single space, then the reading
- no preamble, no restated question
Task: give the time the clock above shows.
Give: 6:35
